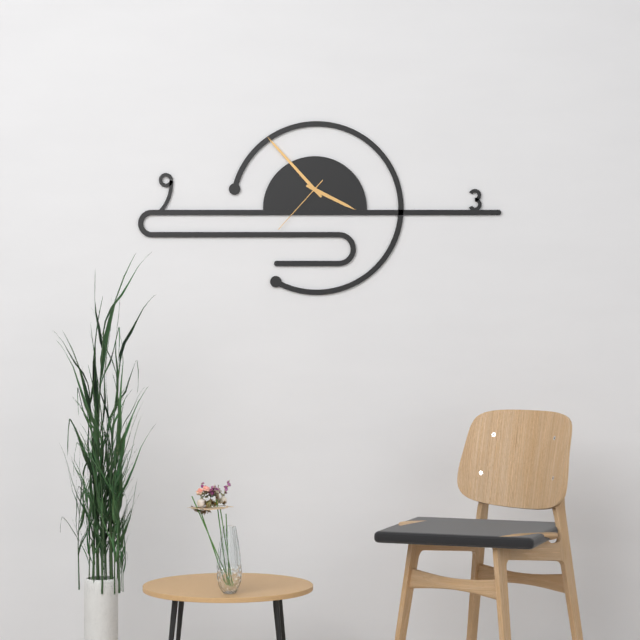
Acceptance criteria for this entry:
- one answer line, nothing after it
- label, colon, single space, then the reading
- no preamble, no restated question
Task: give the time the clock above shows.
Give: 3:53:37
